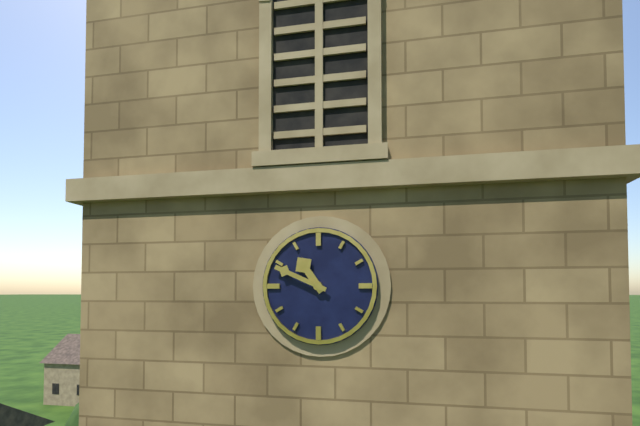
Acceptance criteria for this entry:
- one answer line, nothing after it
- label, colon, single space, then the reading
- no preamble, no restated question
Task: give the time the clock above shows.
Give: 10:49
